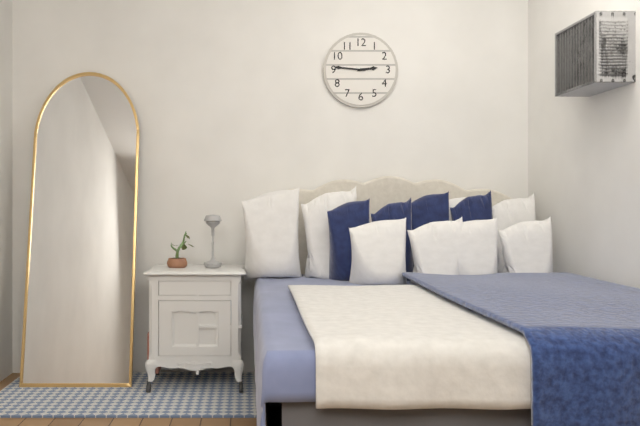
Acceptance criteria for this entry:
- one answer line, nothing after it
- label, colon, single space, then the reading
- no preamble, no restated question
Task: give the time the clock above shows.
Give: 2:46
